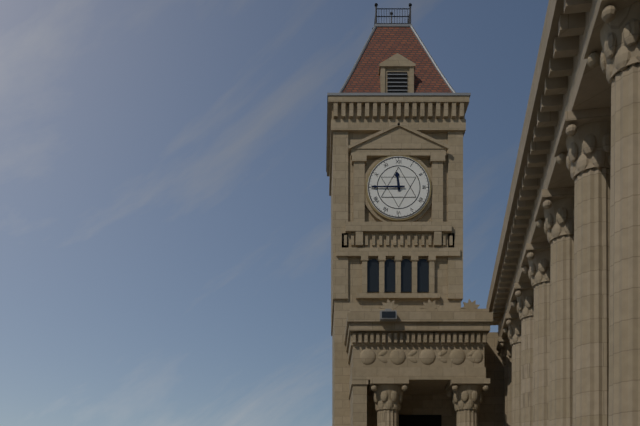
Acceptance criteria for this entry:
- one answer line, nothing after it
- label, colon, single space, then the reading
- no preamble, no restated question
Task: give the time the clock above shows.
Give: 11:45
